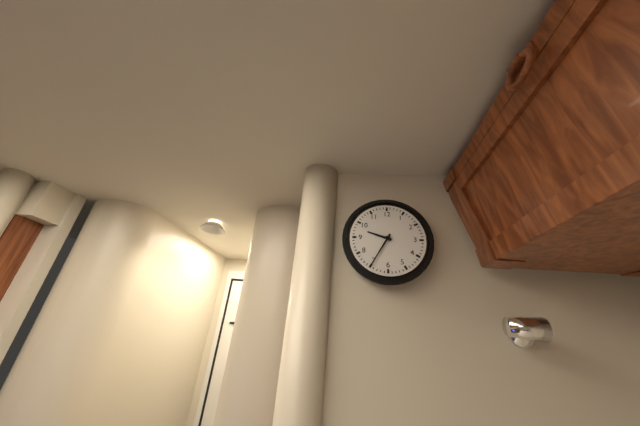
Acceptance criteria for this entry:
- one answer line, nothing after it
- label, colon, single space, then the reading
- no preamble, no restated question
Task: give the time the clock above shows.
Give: 9:35
